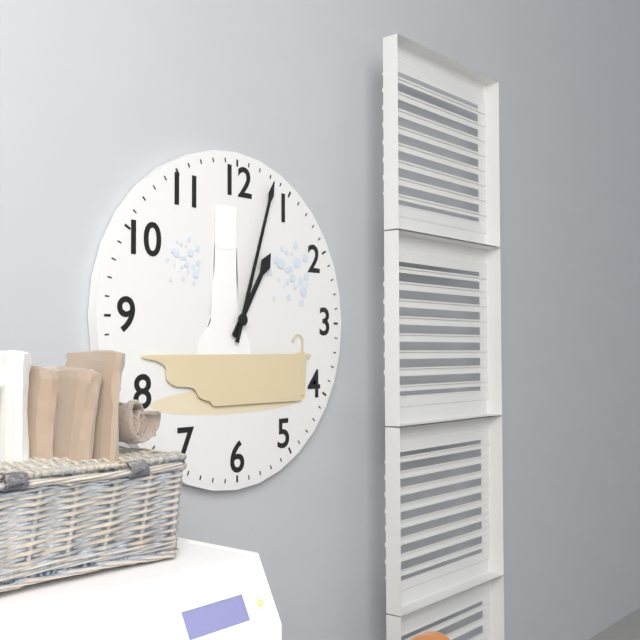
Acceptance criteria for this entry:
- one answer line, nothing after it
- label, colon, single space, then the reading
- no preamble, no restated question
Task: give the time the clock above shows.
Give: 1:03
